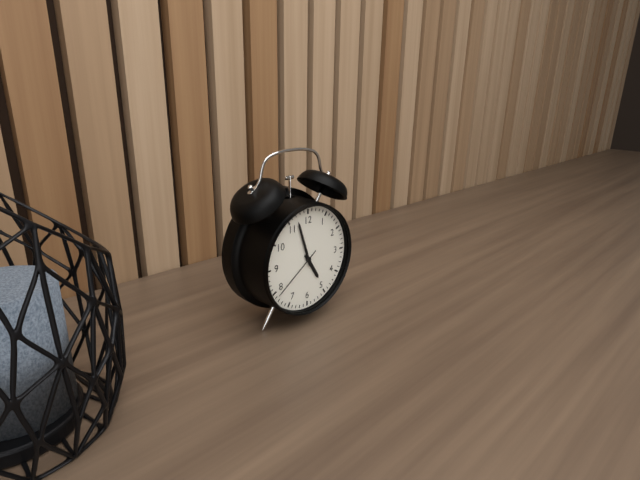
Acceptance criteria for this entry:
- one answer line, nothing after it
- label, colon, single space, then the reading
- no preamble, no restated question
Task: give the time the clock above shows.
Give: 4:57:39
